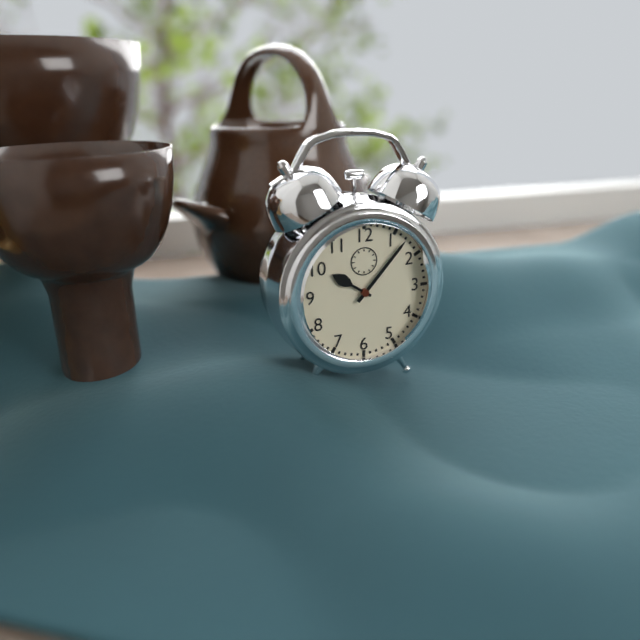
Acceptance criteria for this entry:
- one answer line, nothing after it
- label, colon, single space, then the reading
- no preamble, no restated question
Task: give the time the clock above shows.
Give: 10:07
